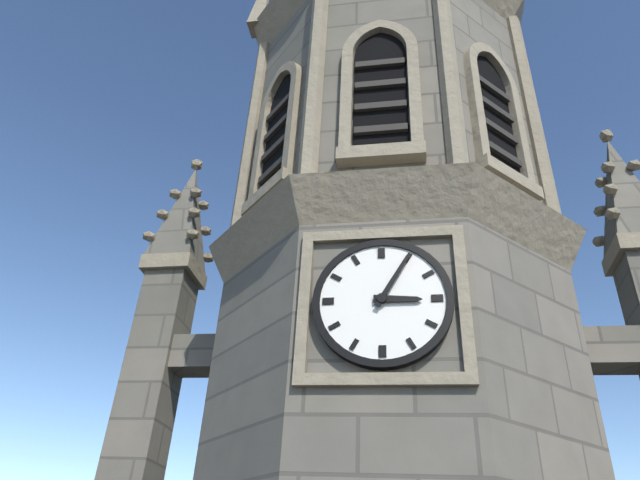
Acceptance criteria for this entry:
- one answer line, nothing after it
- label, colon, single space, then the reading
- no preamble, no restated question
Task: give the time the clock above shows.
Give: 3:05
